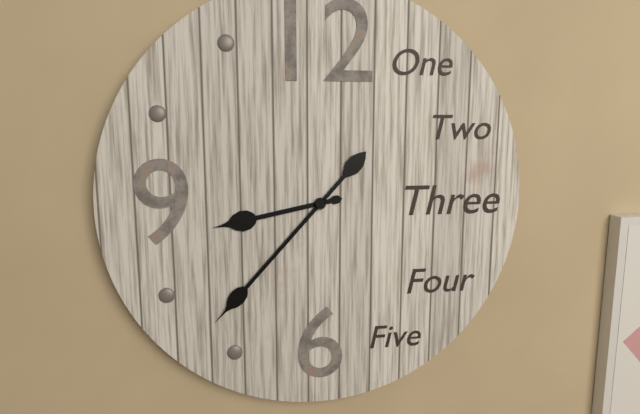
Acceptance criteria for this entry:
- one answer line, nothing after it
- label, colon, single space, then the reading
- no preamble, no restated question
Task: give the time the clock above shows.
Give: 8:37
